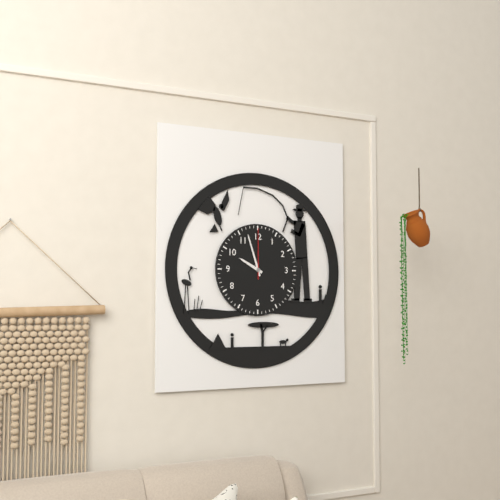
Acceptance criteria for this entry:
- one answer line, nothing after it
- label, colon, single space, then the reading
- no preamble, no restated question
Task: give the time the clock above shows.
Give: 9:57:00
